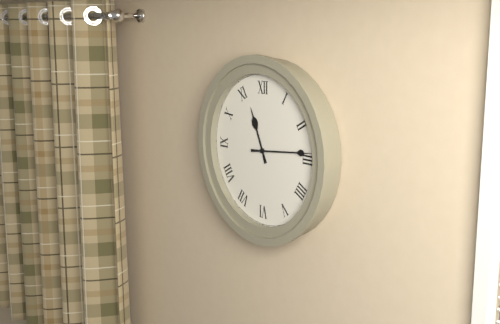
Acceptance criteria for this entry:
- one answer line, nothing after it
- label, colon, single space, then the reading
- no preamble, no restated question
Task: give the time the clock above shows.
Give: 11:14
